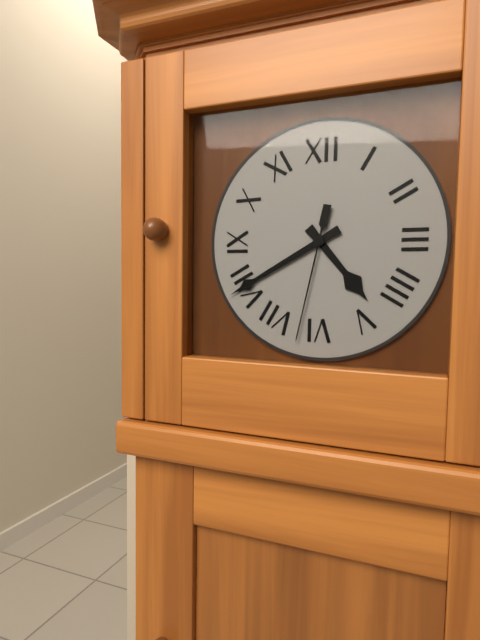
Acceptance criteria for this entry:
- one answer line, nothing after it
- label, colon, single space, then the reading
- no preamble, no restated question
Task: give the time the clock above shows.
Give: 4:40:32
